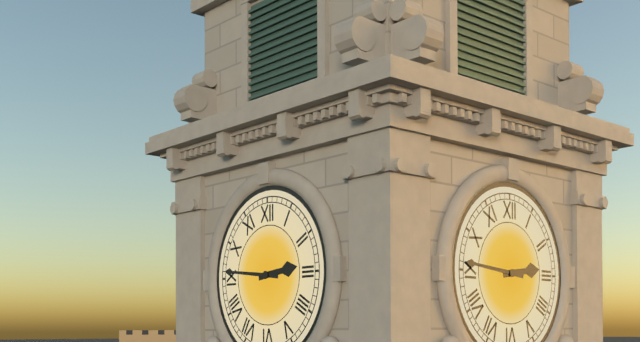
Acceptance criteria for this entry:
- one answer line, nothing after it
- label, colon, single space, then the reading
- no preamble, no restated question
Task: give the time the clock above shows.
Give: 2:46
